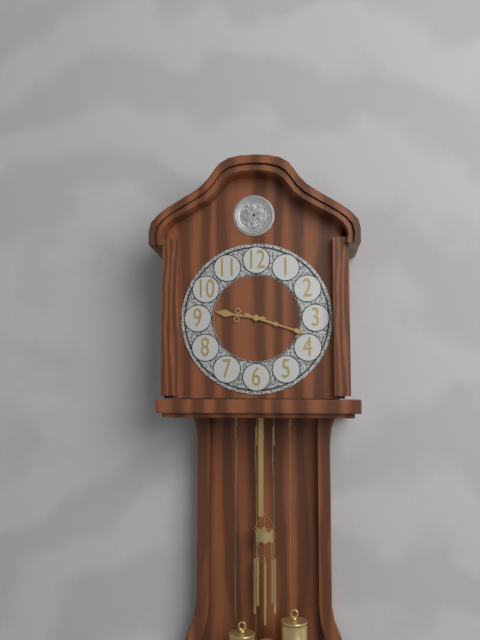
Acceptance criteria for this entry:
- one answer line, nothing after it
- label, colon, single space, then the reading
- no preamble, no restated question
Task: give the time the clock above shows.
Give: 9:18
